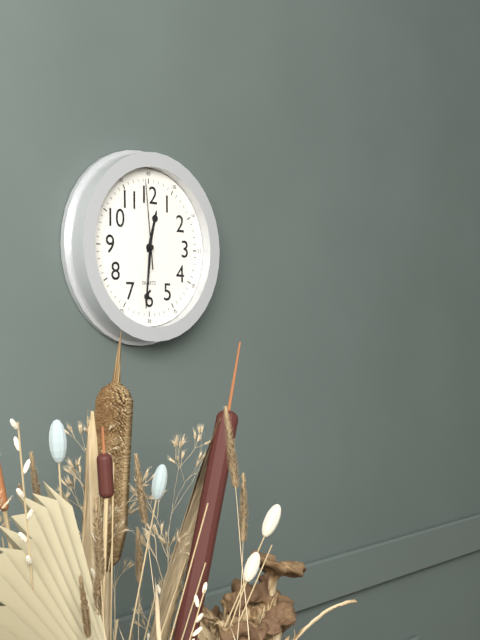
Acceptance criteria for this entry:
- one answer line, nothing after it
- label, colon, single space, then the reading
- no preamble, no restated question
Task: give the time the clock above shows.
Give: 12:31:59
